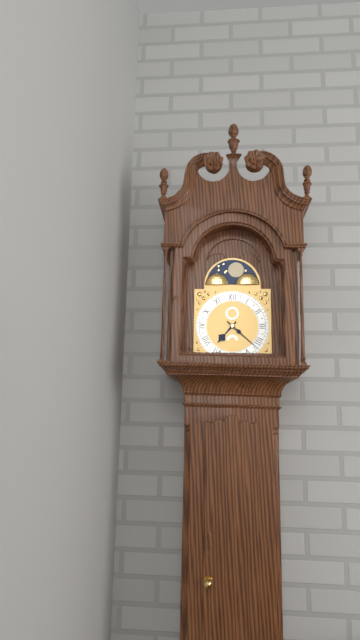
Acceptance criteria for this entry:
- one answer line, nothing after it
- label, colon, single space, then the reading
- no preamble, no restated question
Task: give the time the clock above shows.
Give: 7:22
